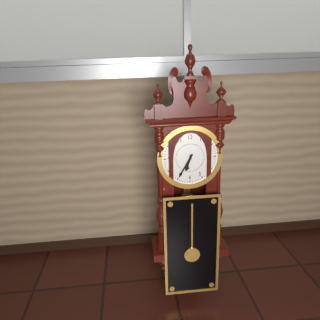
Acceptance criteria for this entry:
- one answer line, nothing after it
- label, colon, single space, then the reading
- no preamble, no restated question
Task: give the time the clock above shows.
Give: 6:35
